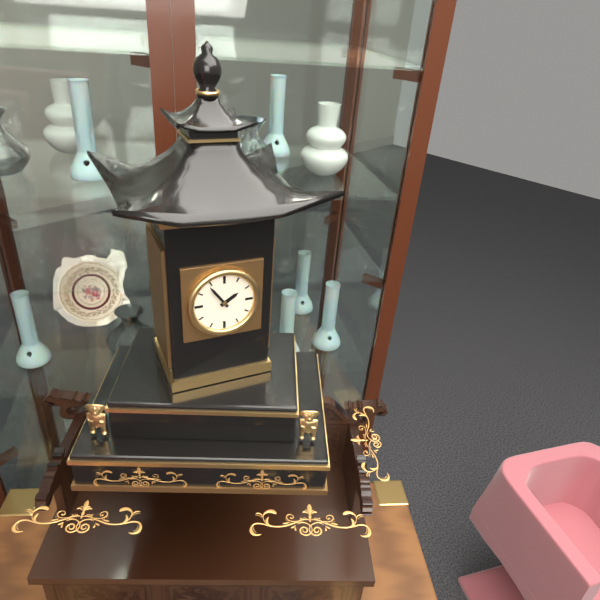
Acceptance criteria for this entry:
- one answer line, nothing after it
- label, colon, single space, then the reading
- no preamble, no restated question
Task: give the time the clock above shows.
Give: 1:54
